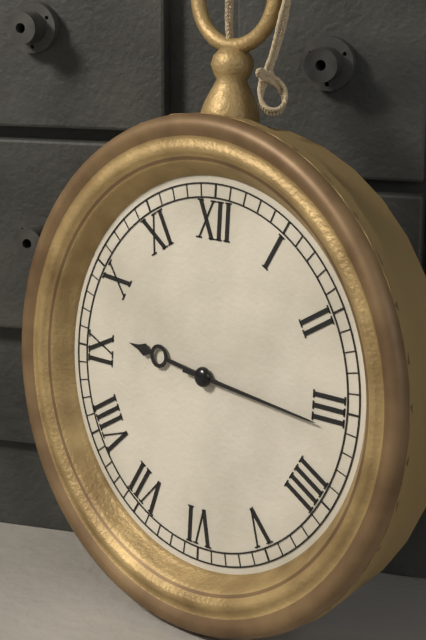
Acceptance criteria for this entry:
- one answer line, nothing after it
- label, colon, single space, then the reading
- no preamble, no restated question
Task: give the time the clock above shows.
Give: 9:16
